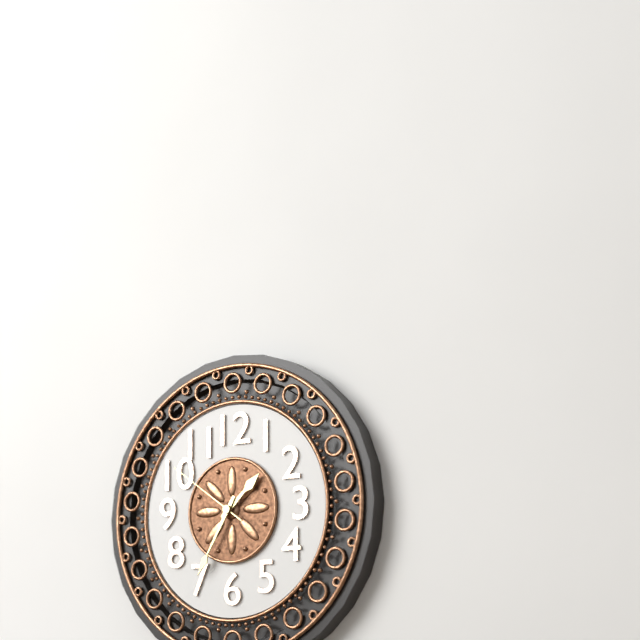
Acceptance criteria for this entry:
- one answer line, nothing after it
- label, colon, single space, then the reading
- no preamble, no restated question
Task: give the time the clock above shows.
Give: 1:35:51
